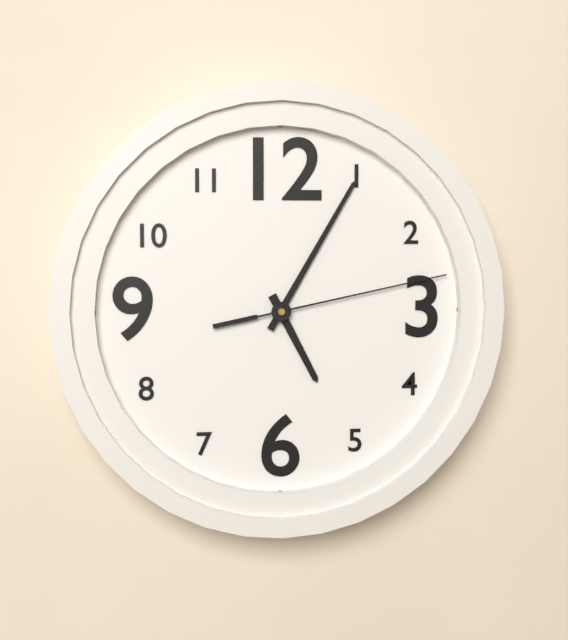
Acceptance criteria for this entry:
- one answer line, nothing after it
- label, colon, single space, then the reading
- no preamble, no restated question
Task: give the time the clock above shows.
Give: 5:05:13
